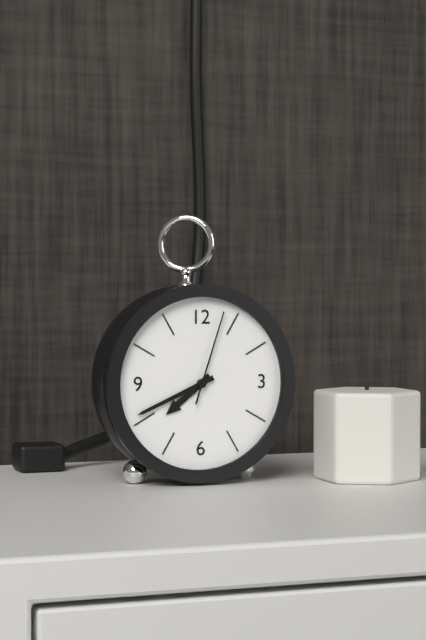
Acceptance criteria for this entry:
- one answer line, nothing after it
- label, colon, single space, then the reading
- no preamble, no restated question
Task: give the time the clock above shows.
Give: 7:41:03
